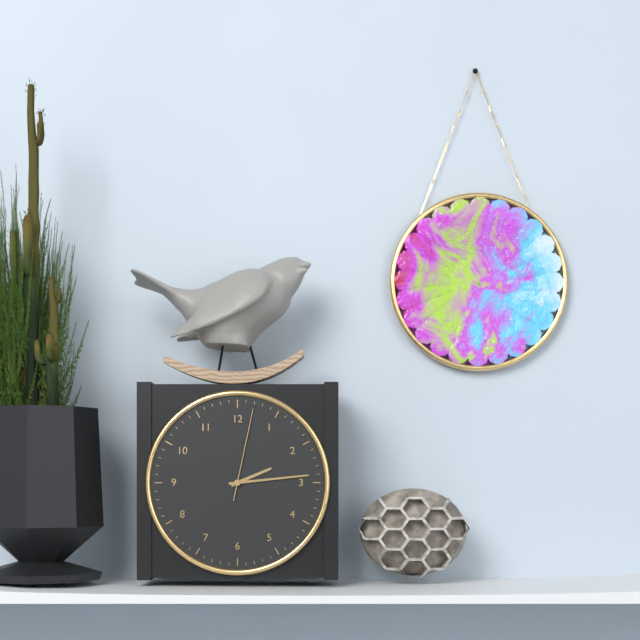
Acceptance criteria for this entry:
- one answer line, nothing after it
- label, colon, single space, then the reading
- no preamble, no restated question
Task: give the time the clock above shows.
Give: 2:14:02
